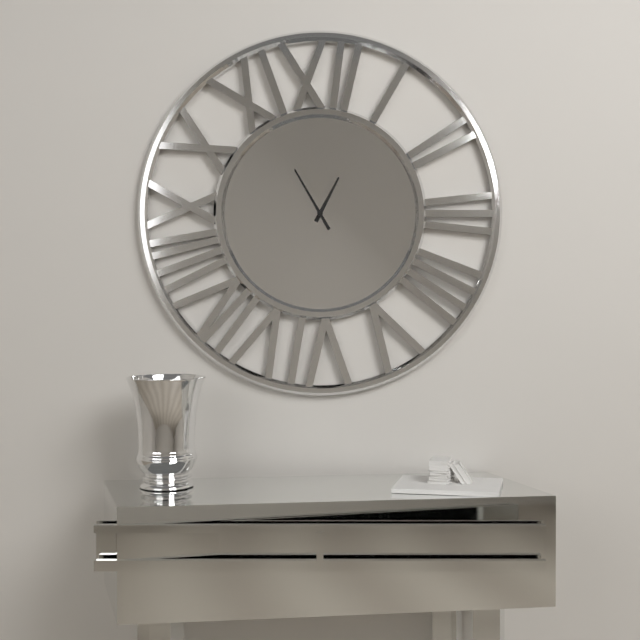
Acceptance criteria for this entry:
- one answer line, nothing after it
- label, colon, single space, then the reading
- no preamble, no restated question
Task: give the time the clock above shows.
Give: 12:55
